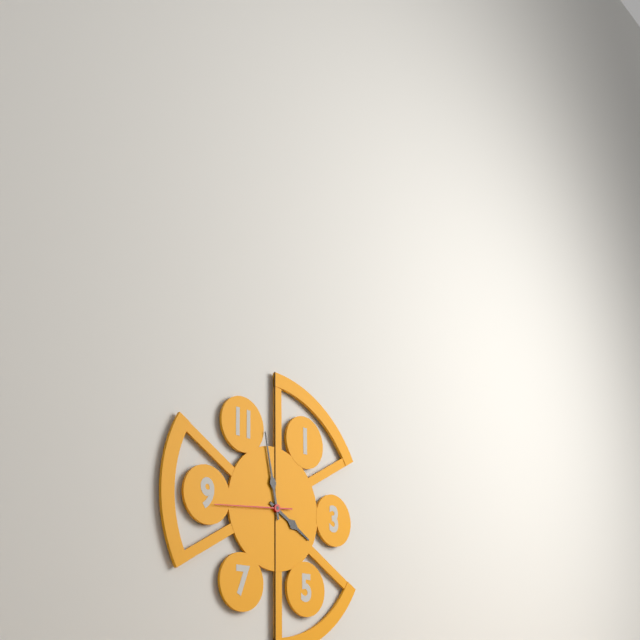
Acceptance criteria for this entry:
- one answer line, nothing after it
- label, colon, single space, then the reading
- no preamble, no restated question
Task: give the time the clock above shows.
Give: 3:58:44
